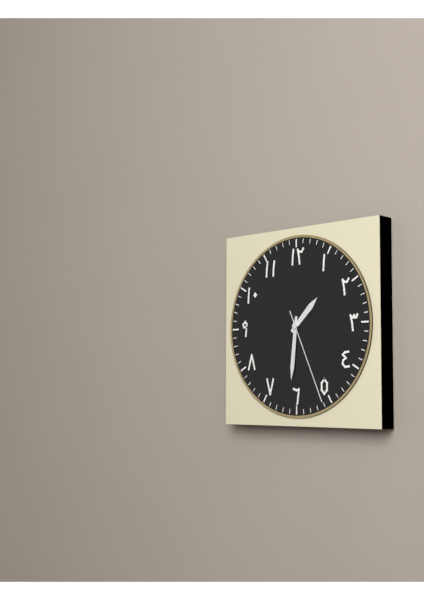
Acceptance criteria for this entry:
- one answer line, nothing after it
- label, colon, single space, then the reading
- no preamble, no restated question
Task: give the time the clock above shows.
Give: 1:31:26
